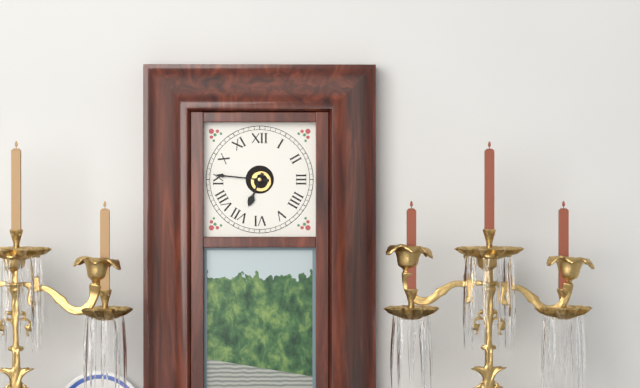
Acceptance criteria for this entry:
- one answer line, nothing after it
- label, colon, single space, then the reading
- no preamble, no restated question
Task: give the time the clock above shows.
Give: 6:46
